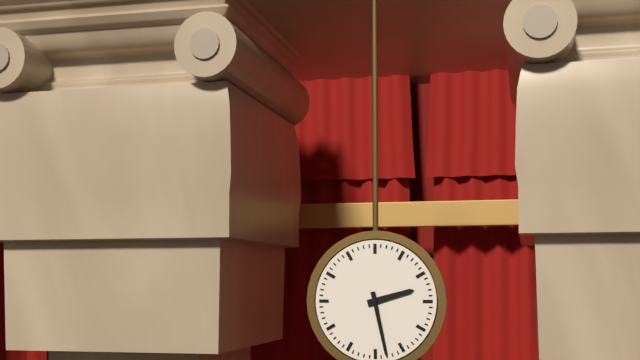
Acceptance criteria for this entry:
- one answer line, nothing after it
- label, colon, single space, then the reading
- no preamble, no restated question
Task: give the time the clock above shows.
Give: 2:28
